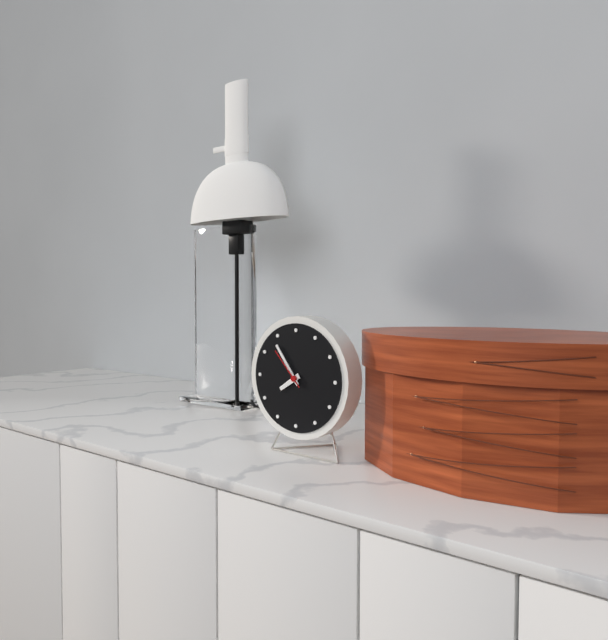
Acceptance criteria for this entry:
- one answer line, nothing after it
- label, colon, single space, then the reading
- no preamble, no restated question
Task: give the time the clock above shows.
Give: 7:54
